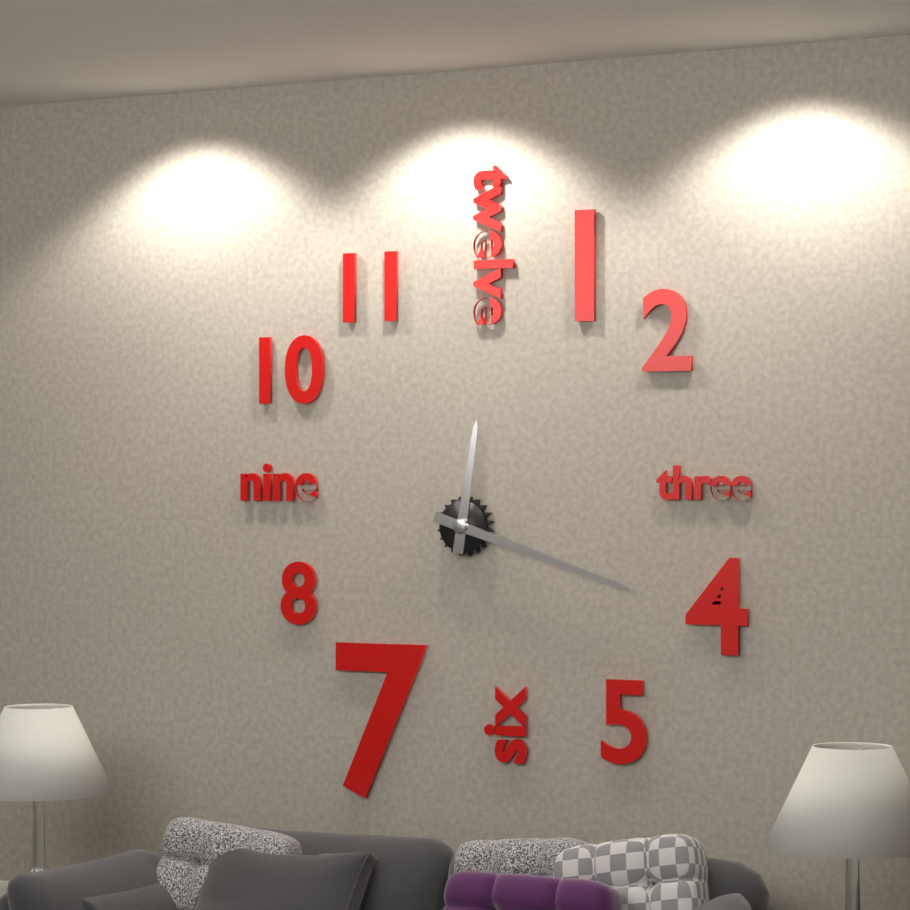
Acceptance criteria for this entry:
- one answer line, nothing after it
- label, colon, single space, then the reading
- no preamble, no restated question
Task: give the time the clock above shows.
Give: 12:18
